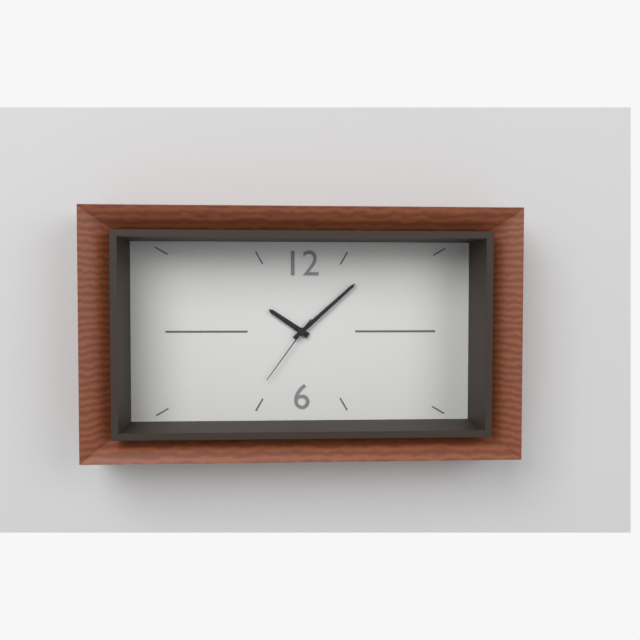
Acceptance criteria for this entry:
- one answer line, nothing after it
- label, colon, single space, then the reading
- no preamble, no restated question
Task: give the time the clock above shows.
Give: 10:08:36
